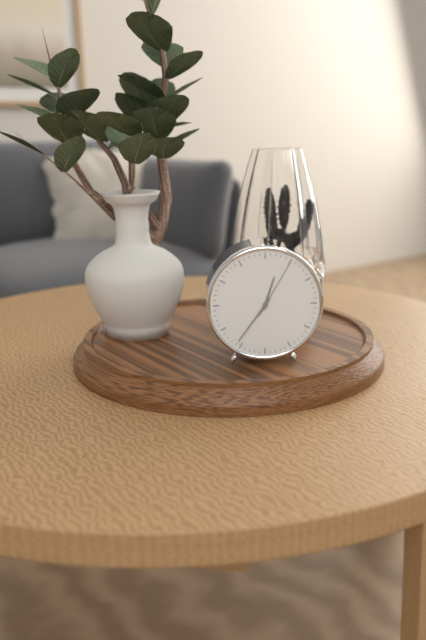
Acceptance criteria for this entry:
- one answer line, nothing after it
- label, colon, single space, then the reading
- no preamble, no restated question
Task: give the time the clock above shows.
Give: 12:36:05
